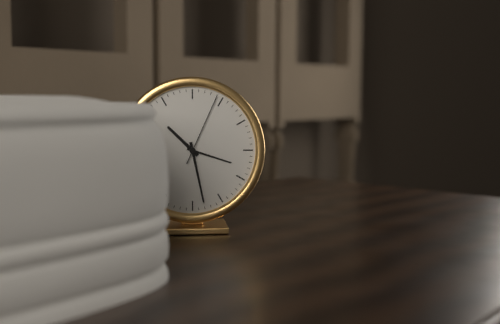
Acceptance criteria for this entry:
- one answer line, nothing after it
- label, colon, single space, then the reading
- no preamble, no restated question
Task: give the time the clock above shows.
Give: 10:28:04
